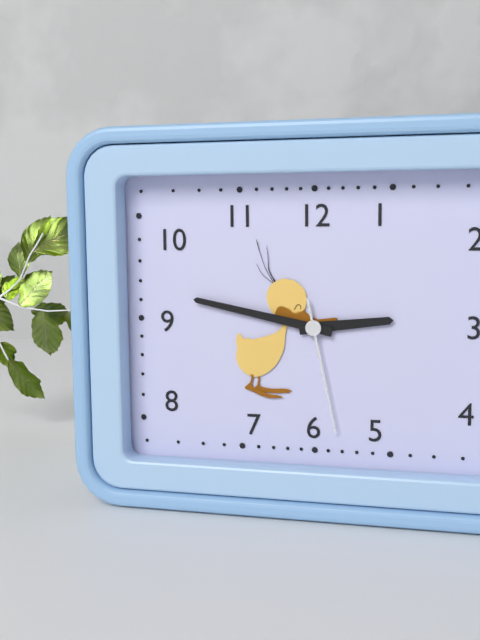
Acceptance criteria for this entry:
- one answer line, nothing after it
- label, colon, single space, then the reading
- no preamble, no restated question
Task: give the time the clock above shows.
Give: 2:47:28
